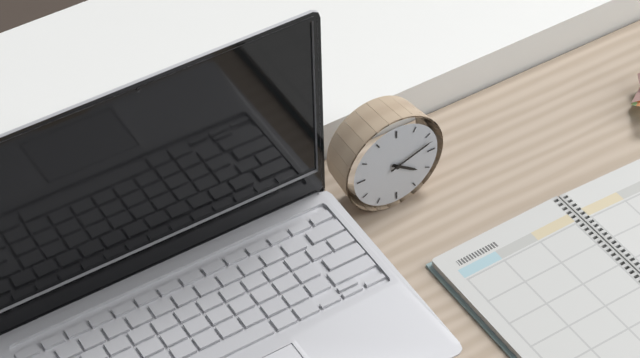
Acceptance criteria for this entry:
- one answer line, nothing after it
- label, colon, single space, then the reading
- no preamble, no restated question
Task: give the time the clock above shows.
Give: 4:12
